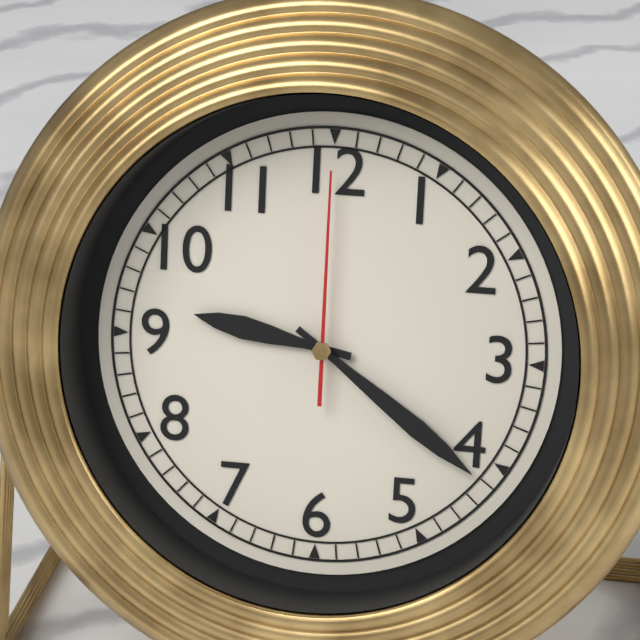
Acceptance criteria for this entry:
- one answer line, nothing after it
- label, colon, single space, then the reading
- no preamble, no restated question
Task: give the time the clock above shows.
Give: 9:21:00
